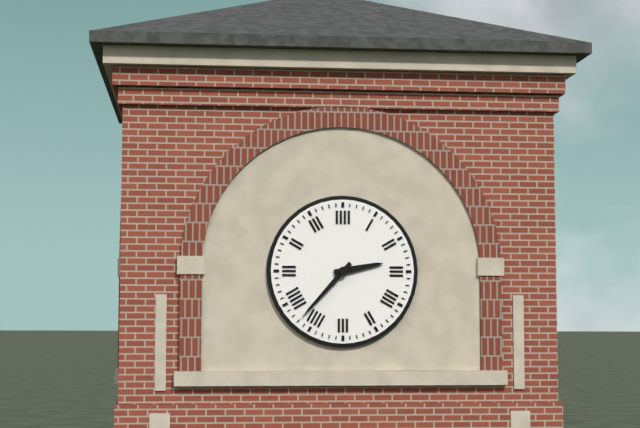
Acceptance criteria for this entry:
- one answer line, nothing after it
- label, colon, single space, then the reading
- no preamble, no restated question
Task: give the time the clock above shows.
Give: 2:37
